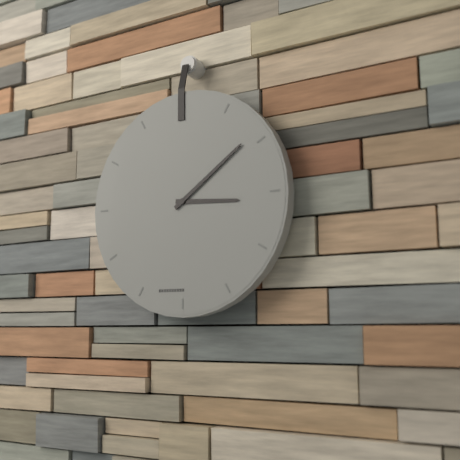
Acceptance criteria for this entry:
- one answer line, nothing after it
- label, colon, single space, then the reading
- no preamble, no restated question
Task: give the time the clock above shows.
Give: 3:09
